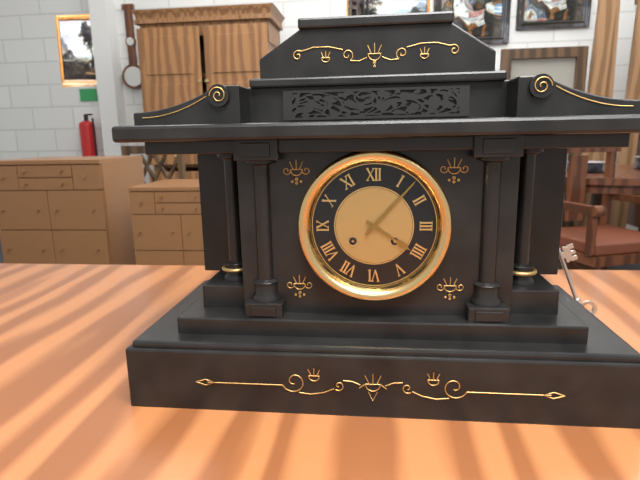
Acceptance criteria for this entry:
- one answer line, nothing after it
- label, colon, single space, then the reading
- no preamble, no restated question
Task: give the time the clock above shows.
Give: 4:07
